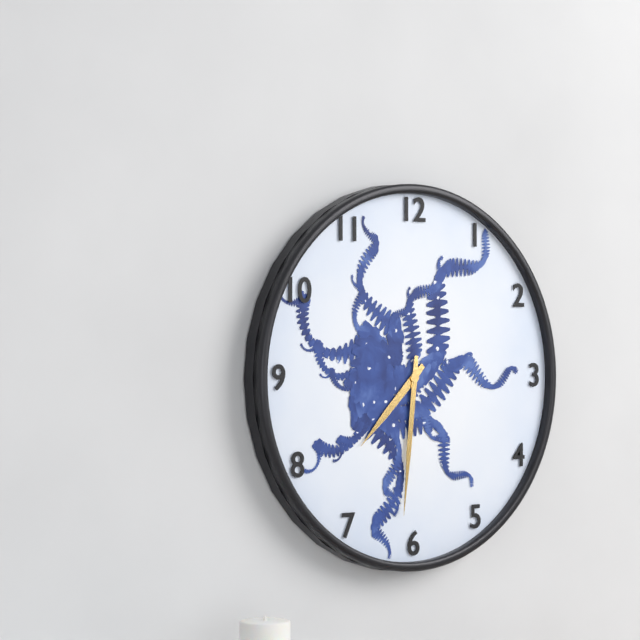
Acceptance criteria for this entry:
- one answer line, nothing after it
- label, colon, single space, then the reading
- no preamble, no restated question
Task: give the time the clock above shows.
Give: 7:31
